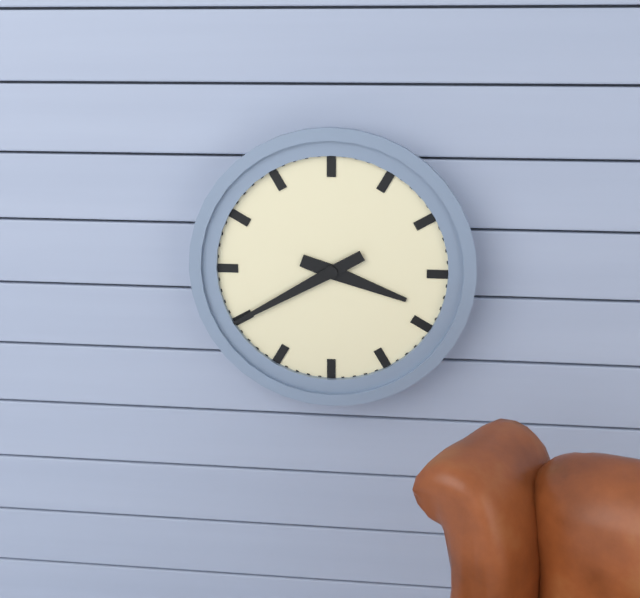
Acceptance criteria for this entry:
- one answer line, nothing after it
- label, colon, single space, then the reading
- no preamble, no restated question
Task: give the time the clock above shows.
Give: 3:40
